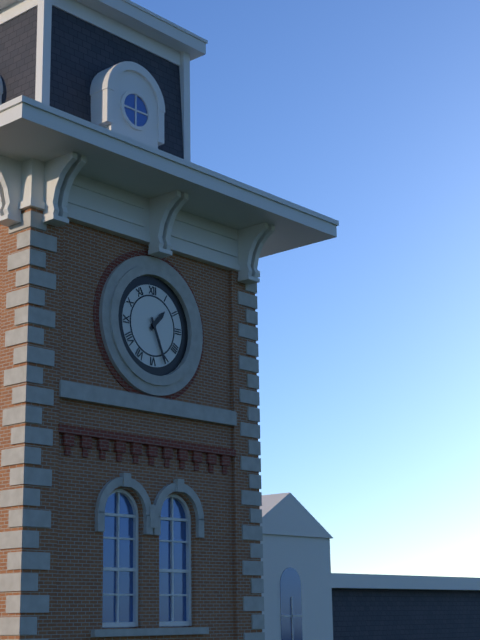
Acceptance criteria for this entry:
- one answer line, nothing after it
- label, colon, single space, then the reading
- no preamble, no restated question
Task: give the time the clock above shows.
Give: 1:26
